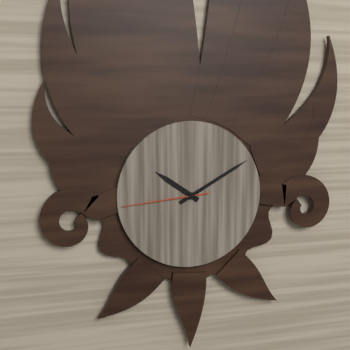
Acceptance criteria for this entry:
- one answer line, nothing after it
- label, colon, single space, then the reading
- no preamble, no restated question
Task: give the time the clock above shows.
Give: 10:10:44
